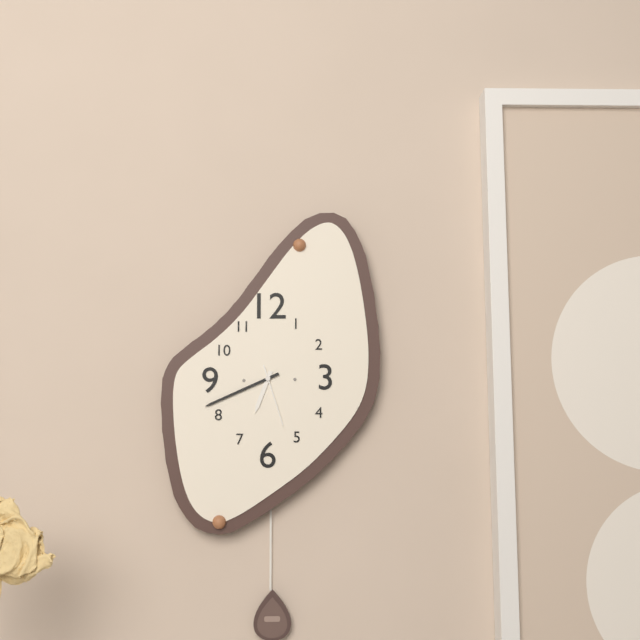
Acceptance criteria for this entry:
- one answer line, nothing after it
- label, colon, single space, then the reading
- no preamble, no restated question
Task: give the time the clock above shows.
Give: 6:41:27
